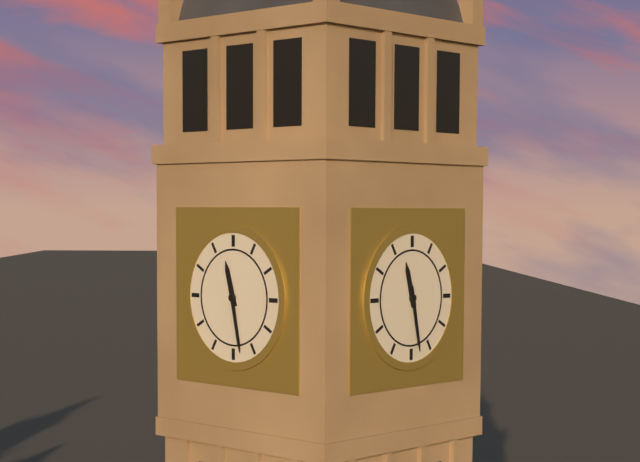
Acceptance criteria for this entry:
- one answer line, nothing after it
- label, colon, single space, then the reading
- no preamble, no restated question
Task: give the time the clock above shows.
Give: 11:28
